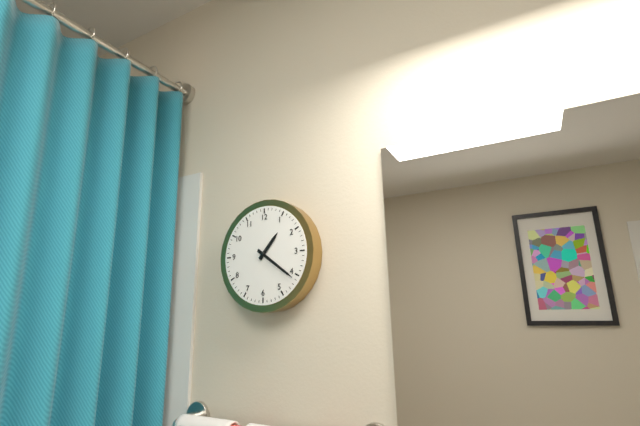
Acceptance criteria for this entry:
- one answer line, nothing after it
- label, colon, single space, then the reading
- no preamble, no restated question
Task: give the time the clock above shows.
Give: 1:21
